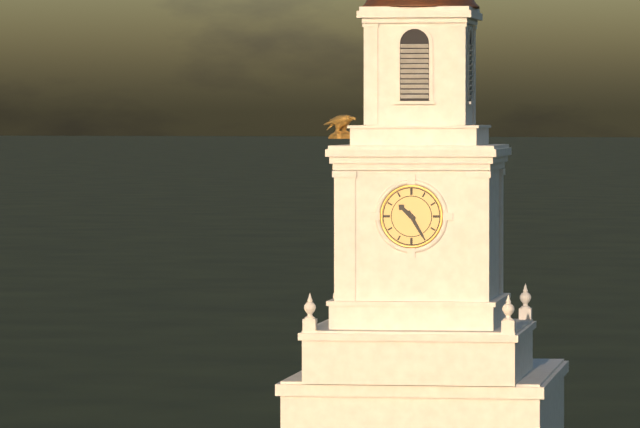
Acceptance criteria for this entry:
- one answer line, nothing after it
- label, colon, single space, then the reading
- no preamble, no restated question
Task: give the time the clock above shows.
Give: 10:25
